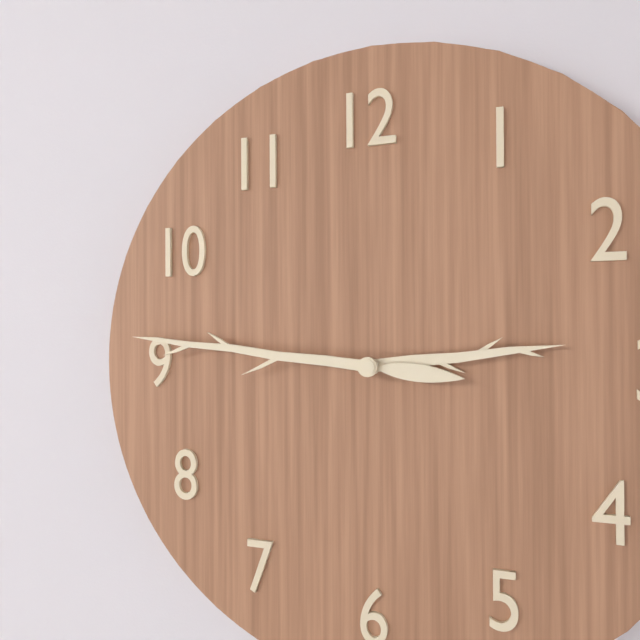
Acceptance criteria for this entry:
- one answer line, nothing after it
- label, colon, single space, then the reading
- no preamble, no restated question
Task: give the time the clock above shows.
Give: 2:46
